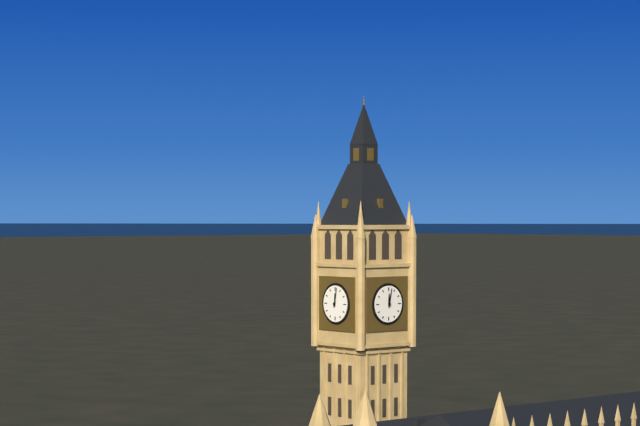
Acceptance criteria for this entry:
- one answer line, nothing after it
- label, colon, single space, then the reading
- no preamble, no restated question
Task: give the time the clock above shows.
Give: 12:02
